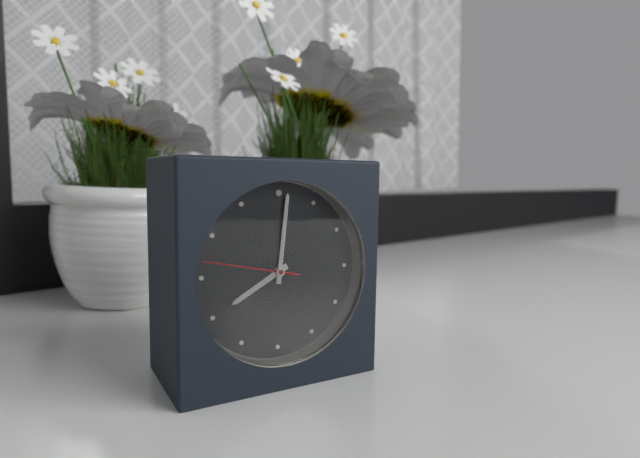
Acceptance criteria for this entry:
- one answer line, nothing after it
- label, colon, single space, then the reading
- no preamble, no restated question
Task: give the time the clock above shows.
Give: 8:01:47
